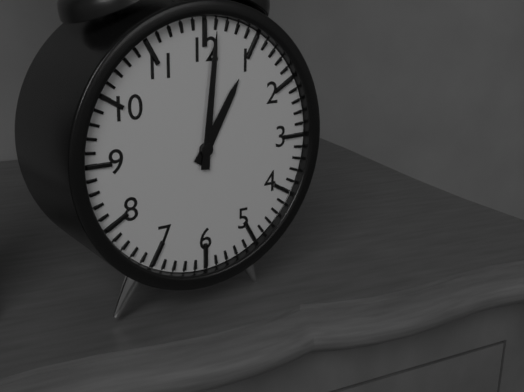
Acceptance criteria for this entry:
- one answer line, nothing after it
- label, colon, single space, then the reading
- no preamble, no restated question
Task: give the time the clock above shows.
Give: 1:01
